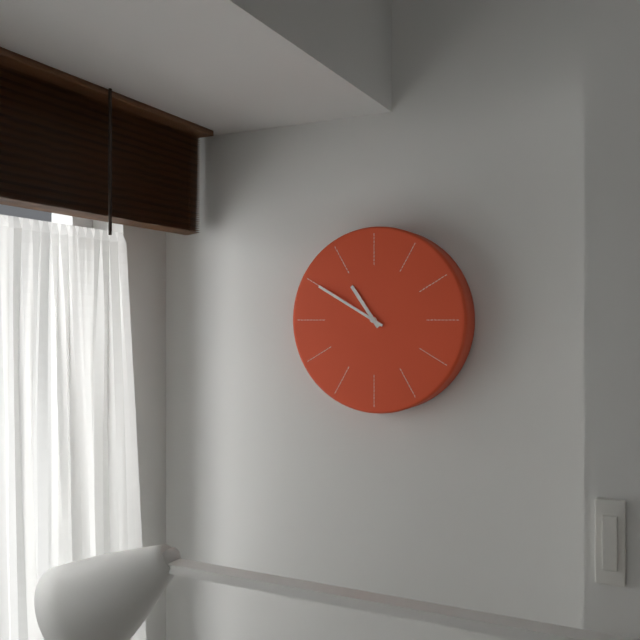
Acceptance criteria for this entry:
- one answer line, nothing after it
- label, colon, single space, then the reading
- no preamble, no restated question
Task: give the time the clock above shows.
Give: 10:50
